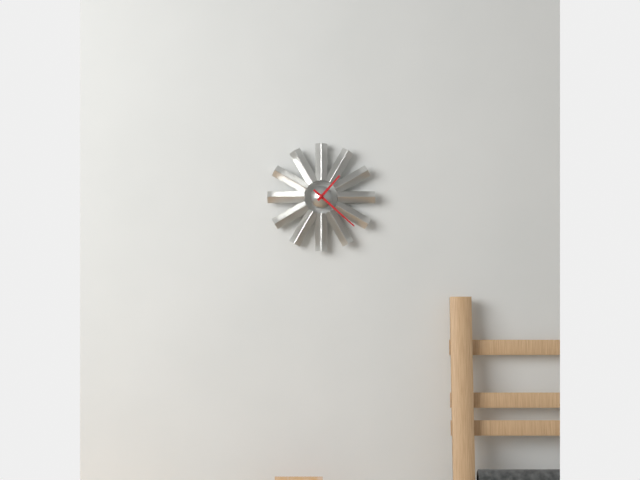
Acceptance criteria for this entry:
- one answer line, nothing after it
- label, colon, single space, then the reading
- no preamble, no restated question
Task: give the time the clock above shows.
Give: 1:22
